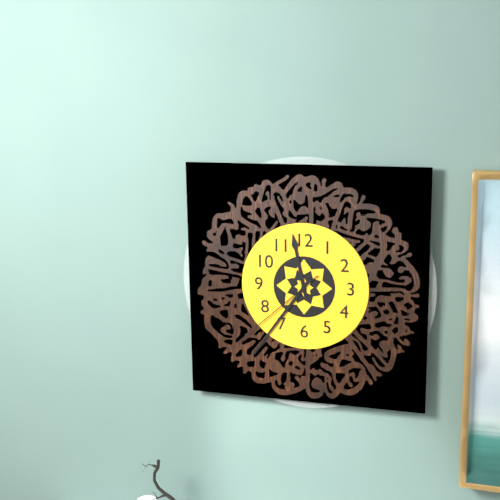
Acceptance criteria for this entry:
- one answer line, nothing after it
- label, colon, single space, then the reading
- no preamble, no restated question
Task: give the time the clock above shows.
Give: 11:36:38
